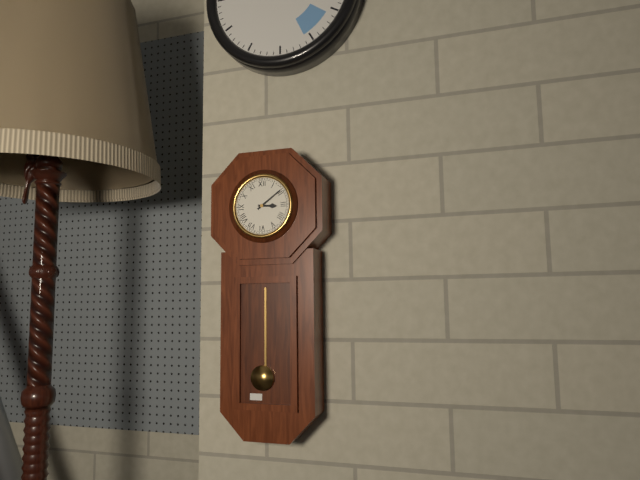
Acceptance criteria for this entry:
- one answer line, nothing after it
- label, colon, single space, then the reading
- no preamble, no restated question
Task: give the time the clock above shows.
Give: 3:09
